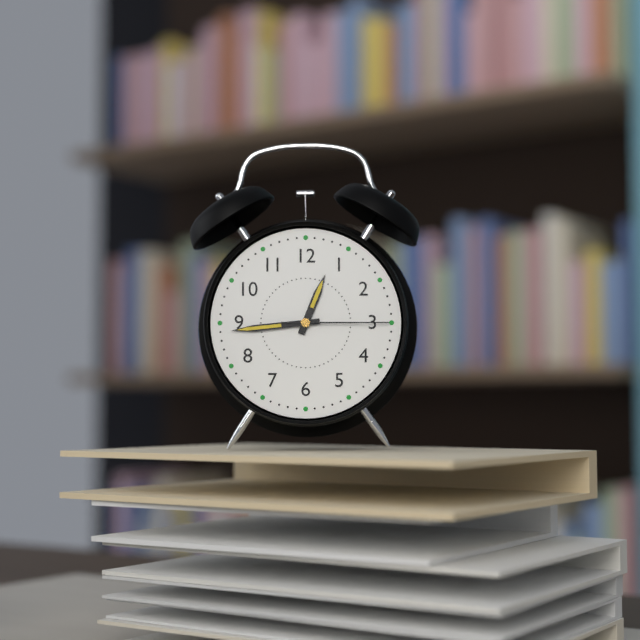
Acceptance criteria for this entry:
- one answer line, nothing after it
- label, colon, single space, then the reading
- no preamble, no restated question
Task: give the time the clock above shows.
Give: 12:44:15
